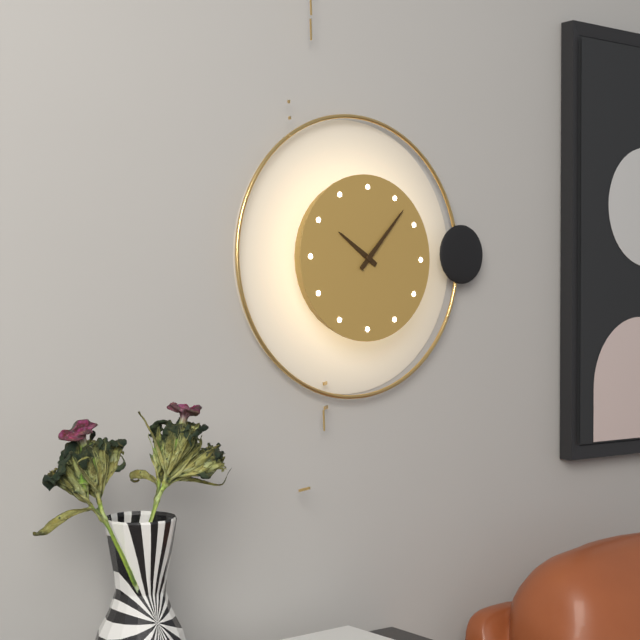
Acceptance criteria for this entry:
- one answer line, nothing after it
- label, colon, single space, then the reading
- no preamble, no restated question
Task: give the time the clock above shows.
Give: 10:07
